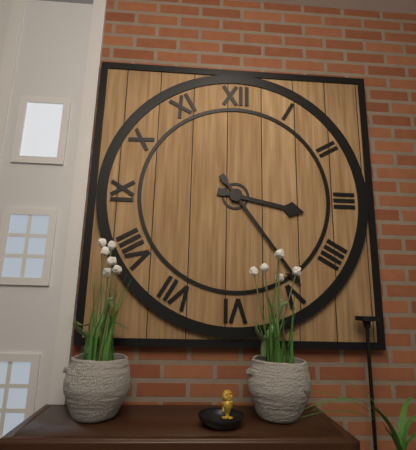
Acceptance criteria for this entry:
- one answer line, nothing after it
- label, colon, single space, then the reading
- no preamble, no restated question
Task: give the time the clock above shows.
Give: 3:24
